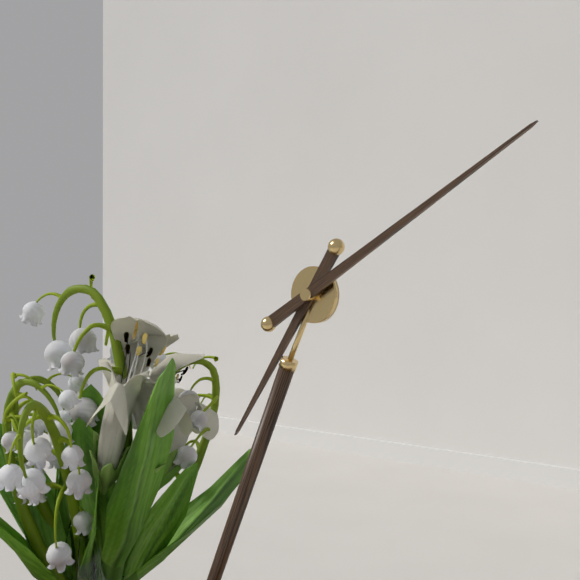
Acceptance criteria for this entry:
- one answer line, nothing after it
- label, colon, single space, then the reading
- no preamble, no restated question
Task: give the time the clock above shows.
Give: 7:10
